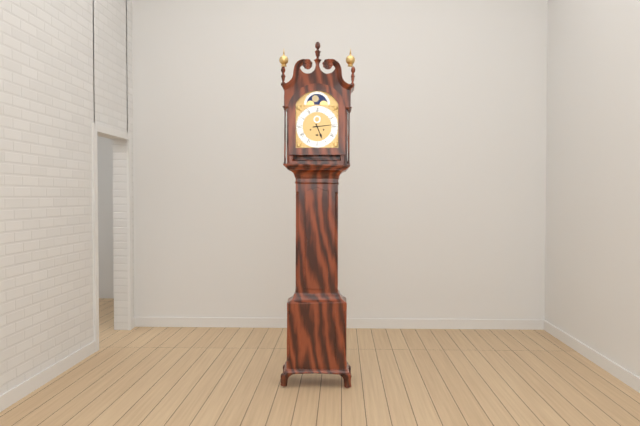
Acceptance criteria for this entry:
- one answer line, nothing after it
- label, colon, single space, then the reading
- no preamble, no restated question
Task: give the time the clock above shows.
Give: 5:14
